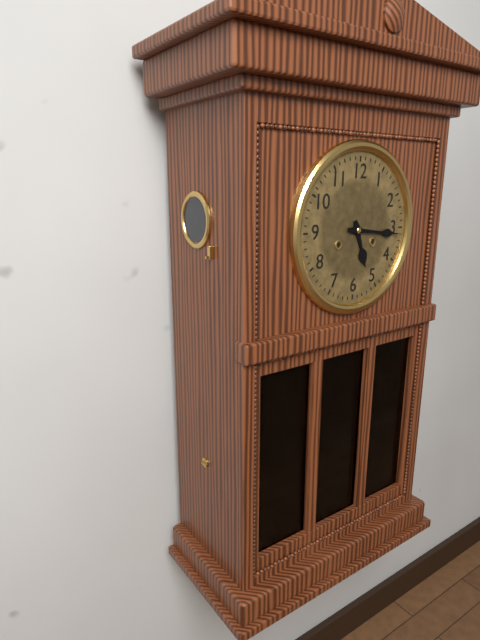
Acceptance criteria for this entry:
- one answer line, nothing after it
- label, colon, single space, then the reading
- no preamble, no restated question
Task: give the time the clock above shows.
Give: 5:16
